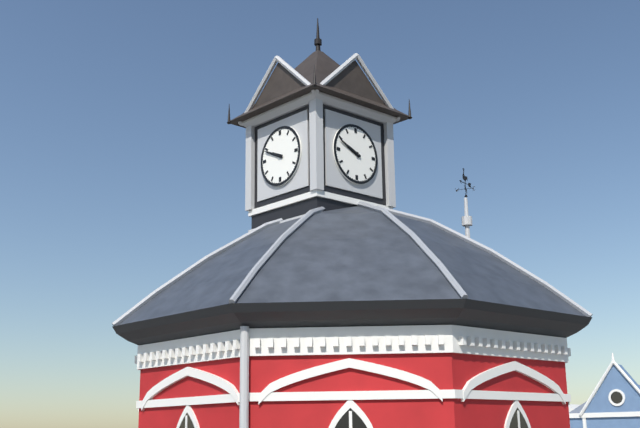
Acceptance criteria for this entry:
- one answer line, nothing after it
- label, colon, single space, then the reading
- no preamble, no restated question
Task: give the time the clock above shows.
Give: 9:49
